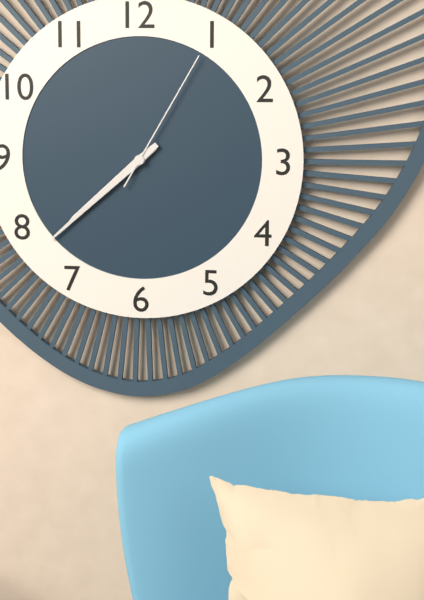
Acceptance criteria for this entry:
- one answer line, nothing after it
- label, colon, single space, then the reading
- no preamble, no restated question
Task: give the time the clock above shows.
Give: 7:38:05
